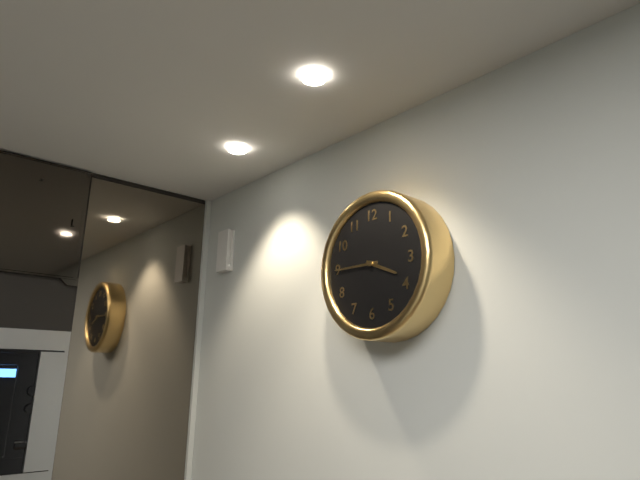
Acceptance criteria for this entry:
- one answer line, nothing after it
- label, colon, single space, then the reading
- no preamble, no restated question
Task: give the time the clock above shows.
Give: 3:45
